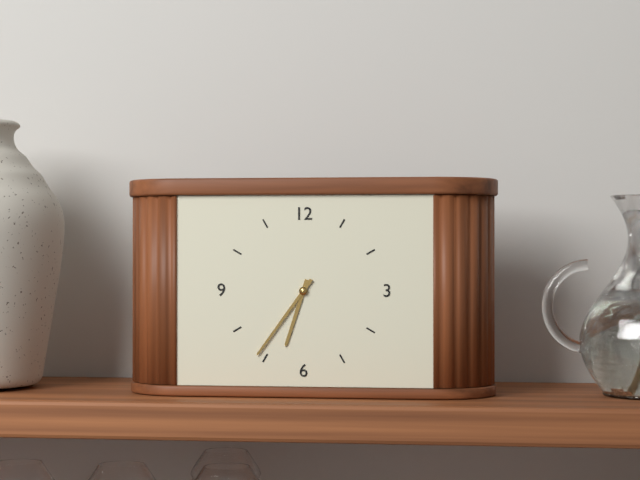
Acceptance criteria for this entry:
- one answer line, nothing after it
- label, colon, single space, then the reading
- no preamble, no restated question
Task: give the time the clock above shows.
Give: 6:36
